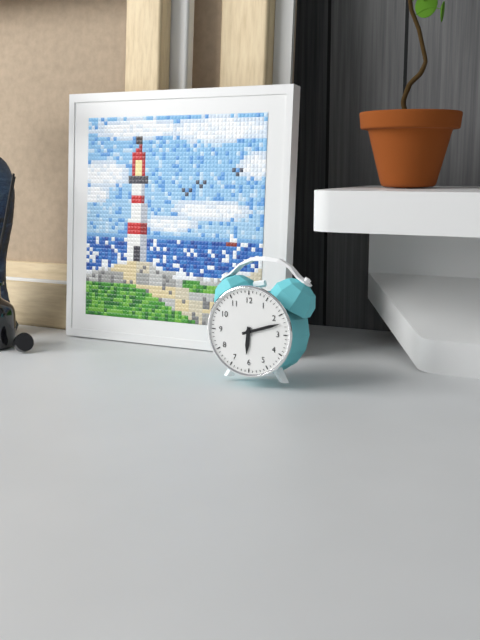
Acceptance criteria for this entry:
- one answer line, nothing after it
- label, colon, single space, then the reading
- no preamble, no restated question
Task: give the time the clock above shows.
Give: 6:12
